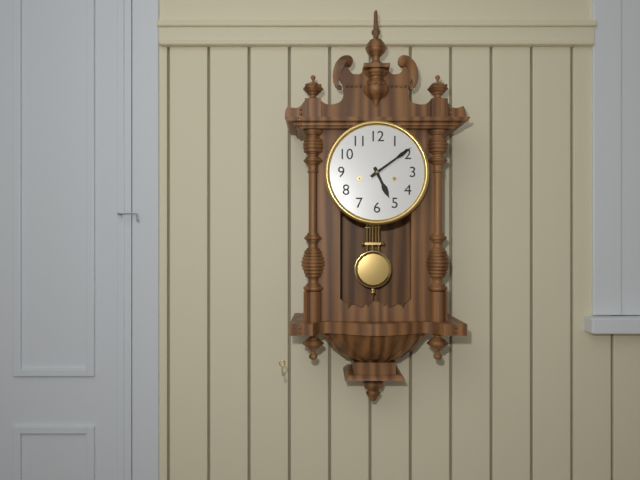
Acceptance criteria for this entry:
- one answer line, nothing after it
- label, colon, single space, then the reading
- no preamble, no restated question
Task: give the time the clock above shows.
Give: 5:09
